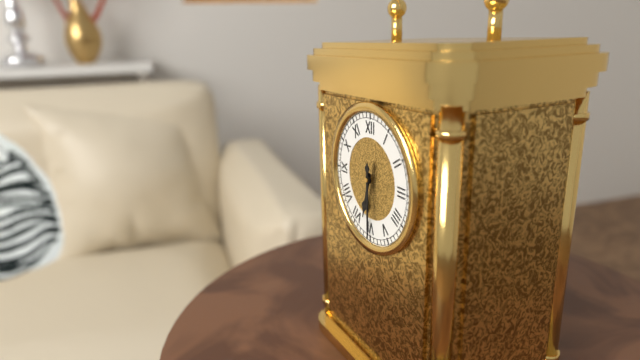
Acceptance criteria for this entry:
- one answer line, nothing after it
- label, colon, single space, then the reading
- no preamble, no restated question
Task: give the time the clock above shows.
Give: 6:30
